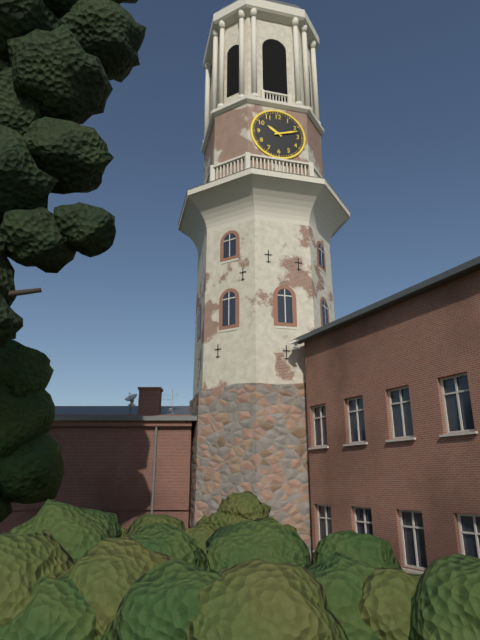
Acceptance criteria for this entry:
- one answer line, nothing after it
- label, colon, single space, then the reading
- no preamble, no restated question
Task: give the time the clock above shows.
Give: 10:12
